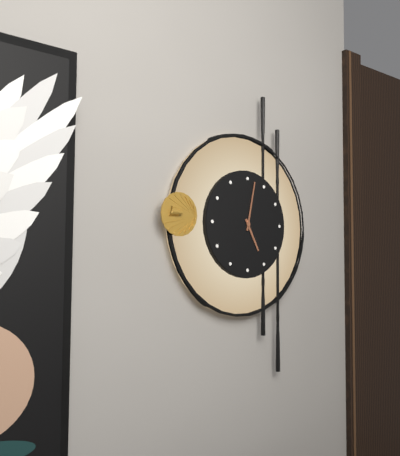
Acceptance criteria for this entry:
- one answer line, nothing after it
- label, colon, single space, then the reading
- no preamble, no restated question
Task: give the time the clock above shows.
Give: 5:02
